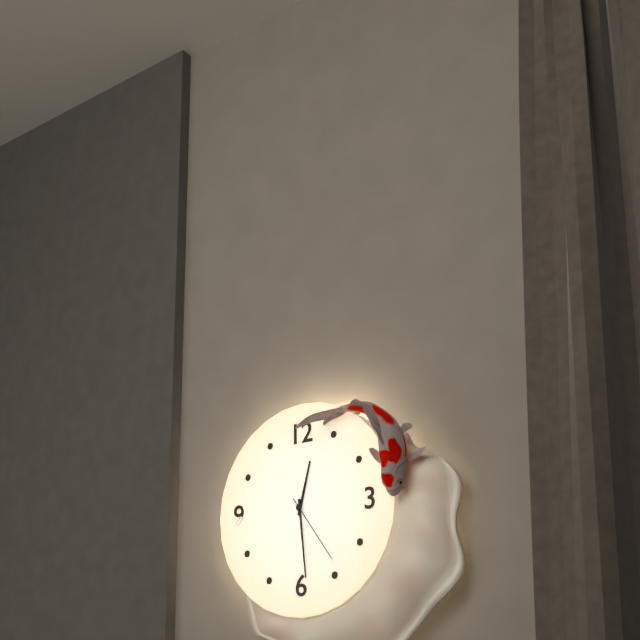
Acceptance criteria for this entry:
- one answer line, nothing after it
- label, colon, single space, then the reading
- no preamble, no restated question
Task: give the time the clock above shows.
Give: 12:29:24
